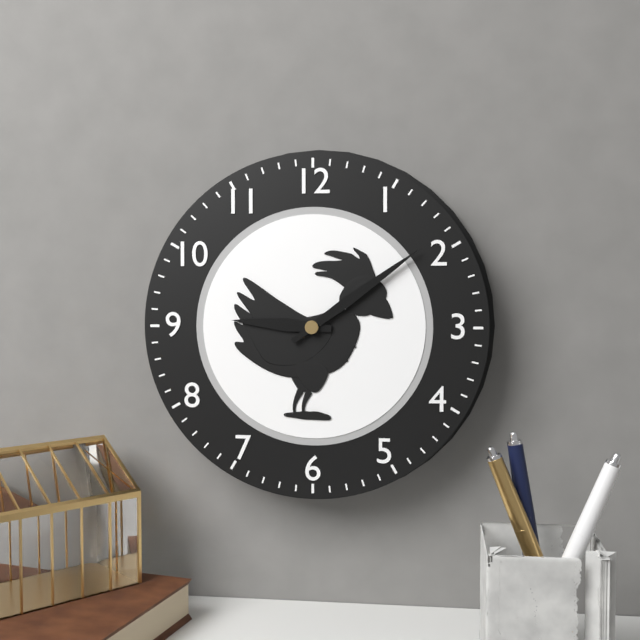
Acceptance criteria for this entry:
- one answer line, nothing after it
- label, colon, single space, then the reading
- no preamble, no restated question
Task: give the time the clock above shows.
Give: 9:09
